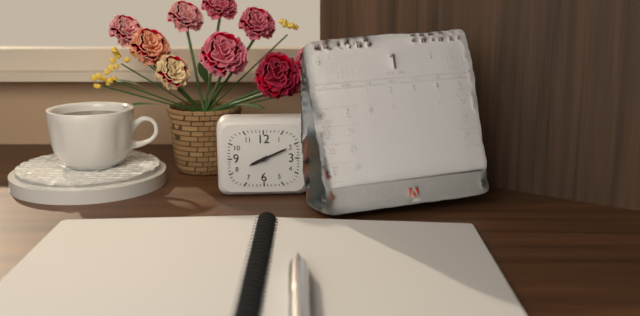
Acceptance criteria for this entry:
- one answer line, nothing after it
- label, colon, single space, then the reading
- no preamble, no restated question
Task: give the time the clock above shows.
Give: 8:11
